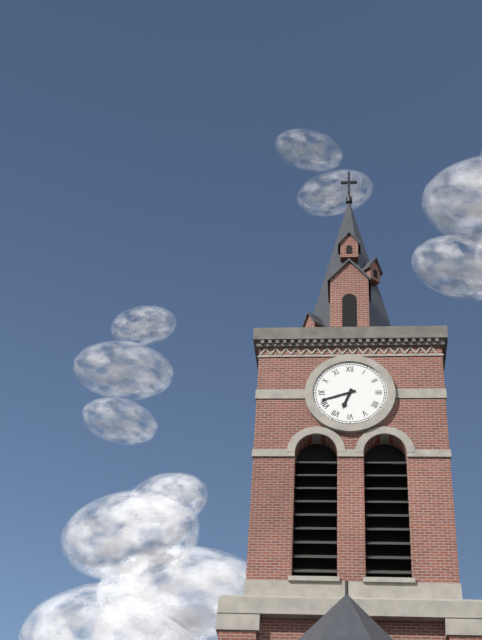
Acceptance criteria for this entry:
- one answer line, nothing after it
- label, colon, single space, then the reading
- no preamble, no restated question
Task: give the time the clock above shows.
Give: 6:42
